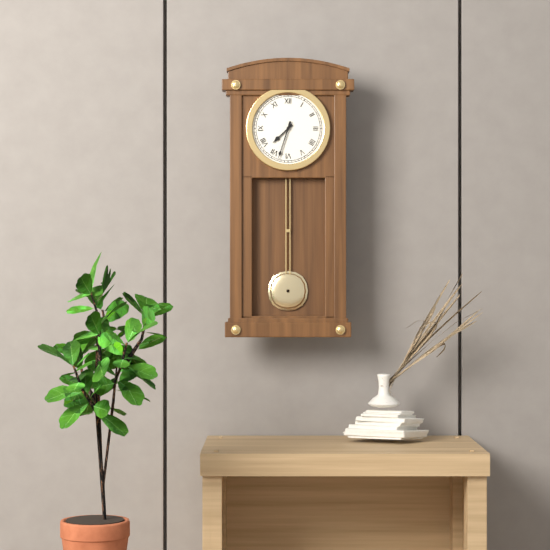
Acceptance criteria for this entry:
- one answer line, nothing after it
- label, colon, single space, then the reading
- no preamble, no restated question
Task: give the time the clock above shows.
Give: 7:33
